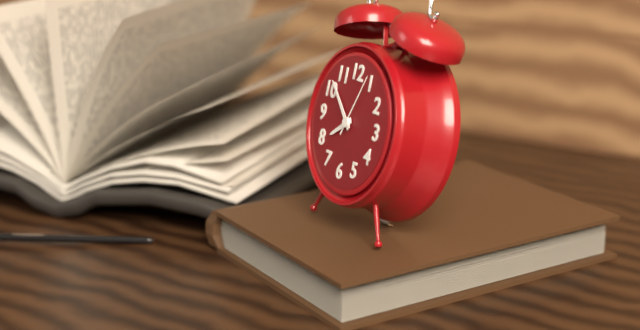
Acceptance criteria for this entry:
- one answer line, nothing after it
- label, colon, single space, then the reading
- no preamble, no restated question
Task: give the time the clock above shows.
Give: 7:52:04
